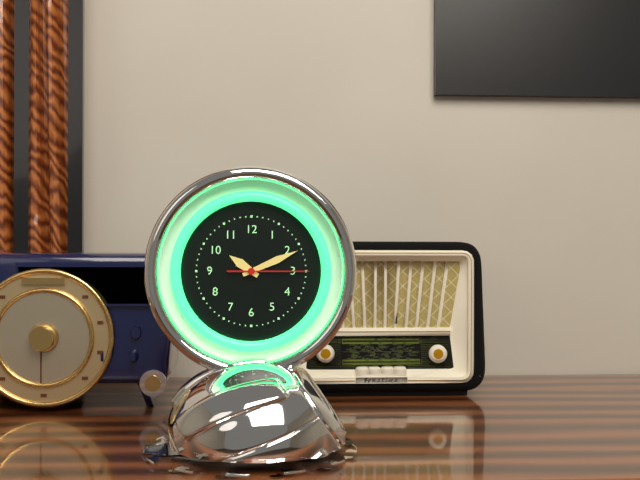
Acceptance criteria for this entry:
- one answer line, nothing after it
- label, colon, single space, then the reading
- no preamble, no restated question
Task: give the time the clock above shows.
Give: 10:11:15
